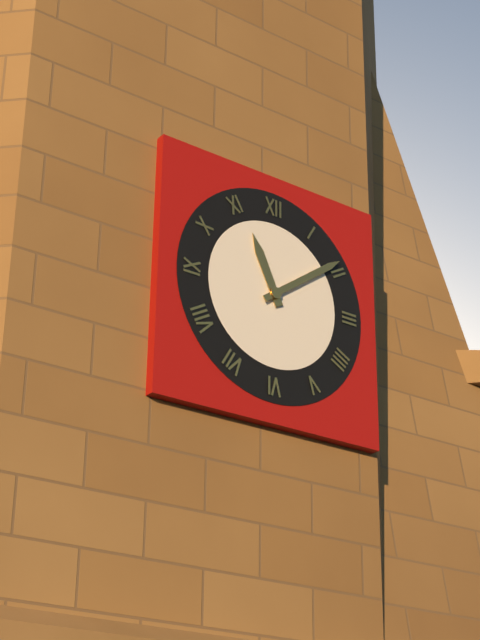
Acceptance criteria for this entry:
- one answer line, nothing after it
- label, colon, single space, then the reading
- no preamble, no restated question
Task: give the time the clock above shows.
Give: 11:09
